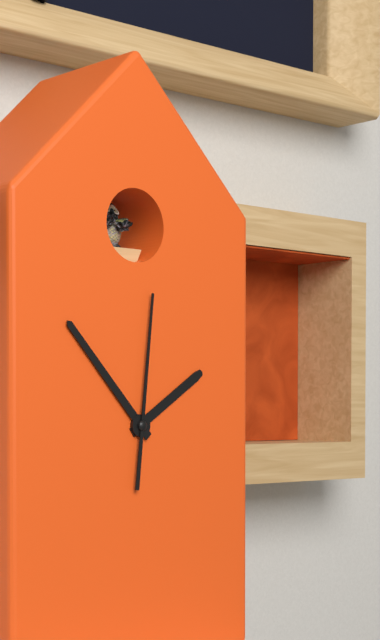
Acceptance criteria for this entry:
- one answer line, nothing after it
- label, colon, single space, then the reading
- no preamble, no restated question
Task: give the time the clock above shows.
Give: 1:53:01
